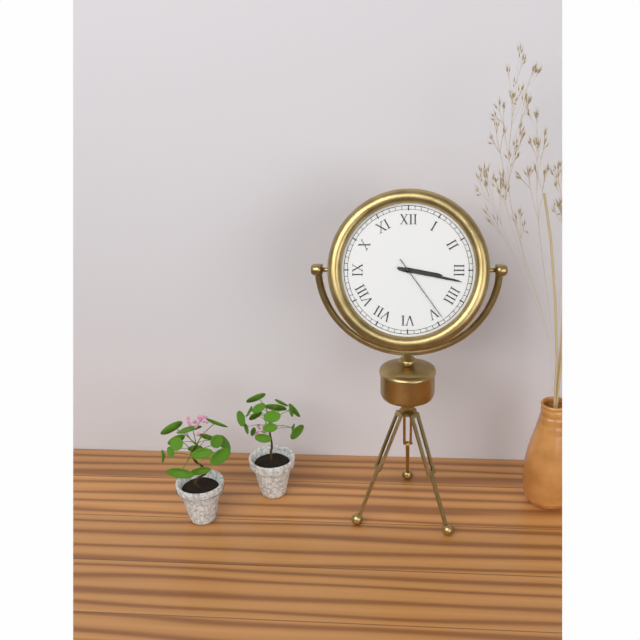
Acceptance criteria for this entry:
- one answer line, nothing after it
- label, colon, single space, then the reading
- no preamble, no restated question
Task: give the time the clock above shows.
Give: 3:17:24
